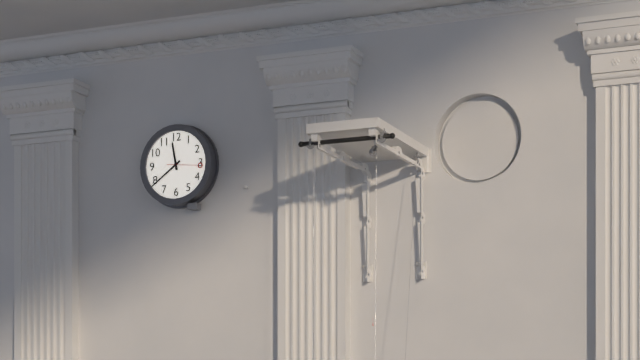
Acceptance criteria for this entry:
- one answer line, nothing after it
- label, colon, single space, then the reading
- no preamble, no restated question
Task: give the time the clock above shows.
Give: 11:39
